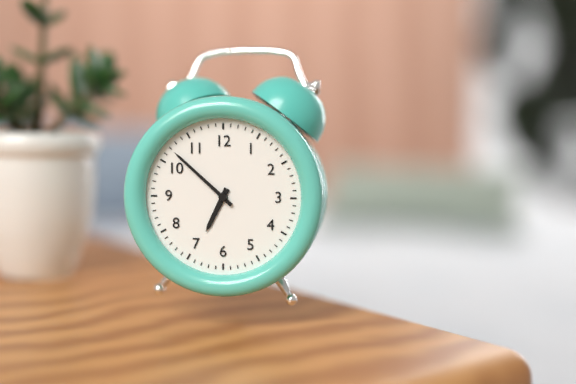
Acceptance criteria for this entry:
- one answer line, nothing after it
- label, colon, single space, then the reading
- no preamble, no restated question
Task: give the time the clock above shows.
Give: 6:52
